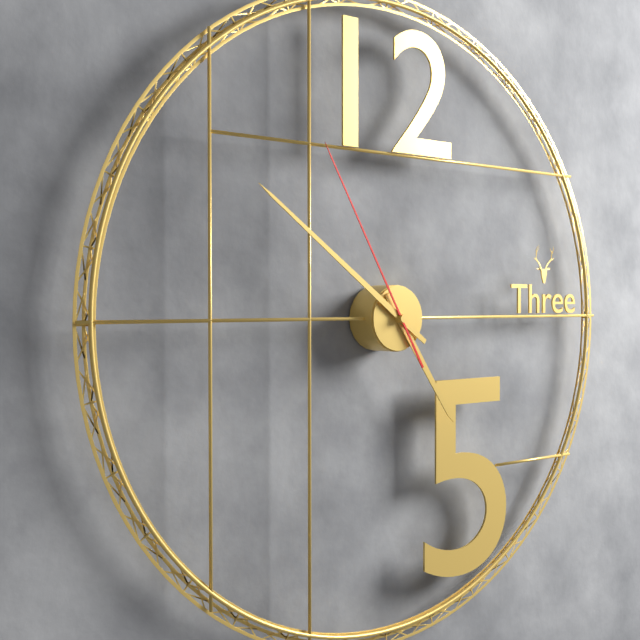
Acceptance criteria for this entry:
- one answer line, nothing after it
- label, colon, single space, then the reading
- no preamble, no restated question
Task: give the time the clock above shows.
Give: 4:51:55
